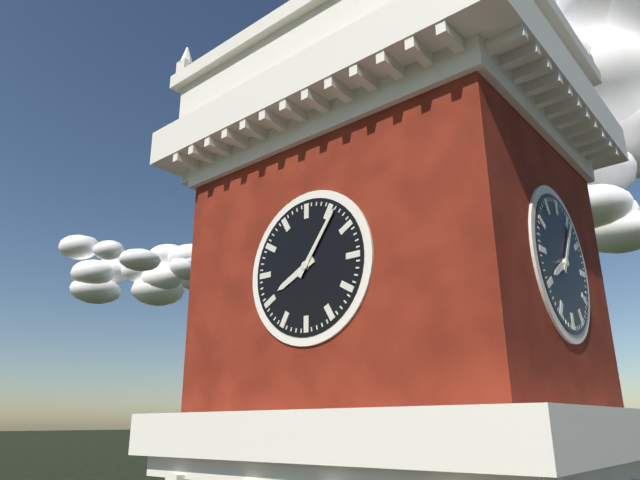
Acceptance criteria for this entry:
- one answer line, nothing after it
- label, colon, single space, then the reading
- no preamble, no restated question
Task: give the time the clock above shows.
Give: 8:06
